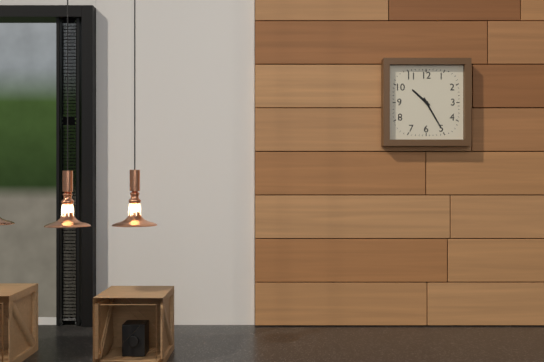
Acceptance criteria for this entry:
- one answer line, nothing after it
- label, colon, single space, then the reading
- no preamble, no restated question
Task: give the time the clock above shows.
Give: 10:25
